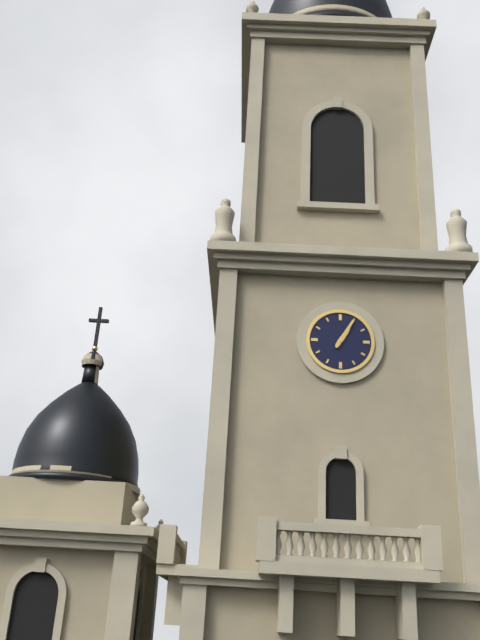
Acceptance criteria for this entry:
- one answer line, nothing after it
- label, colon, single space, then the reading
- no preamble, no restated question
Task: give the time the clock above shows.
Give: 1:05
